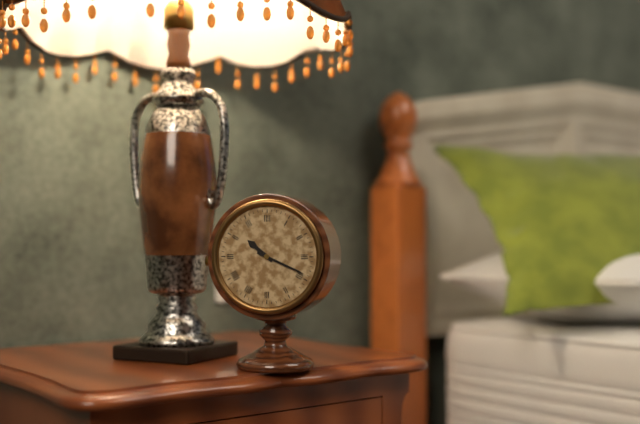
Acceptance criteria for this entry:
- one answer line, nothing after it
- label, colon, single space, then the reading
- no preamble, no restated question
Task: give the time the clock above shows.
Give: 10:19
